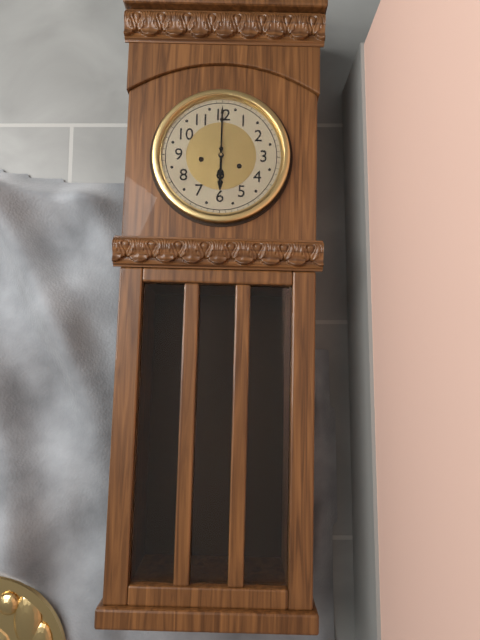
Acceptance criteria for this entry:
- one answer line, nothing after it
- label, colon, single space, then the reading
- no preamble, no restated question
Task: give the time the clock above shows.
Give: 6:00
